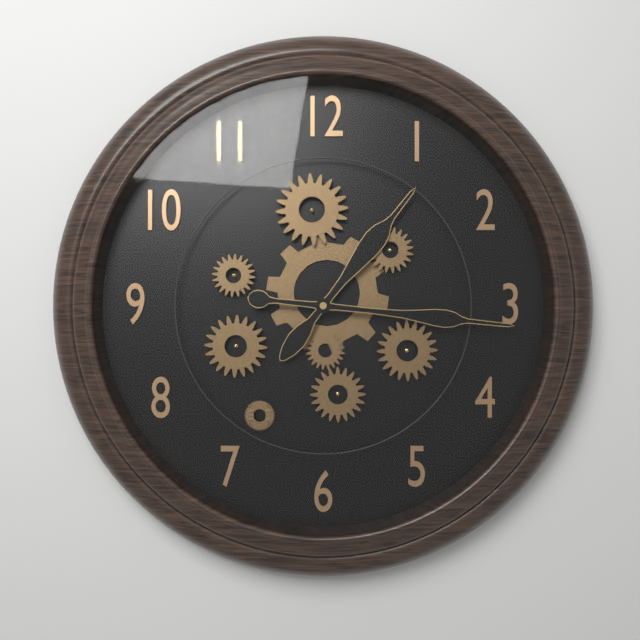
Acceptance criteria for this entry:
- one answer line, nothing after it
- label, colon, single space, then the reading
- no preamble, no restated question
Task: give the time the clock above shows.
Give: 1:16
